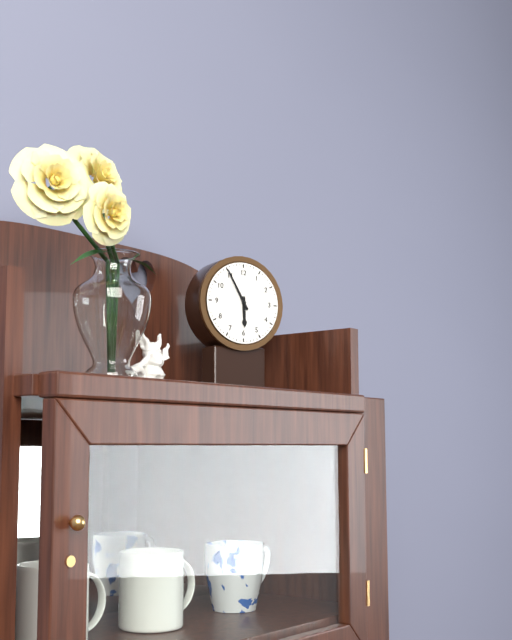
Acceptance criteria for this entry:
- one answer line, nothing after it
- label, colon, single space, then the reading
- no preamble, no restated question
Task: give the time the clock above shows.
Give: 5:55
